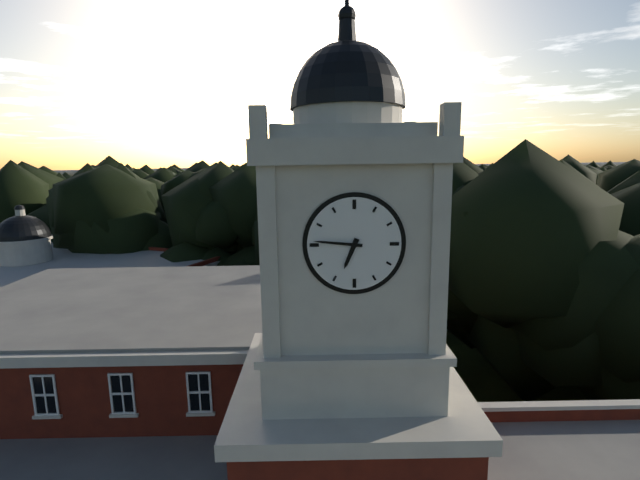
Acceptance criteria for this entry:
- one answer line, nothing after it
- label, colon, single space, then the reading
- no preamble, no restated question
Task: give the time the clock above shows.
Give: 6:46
